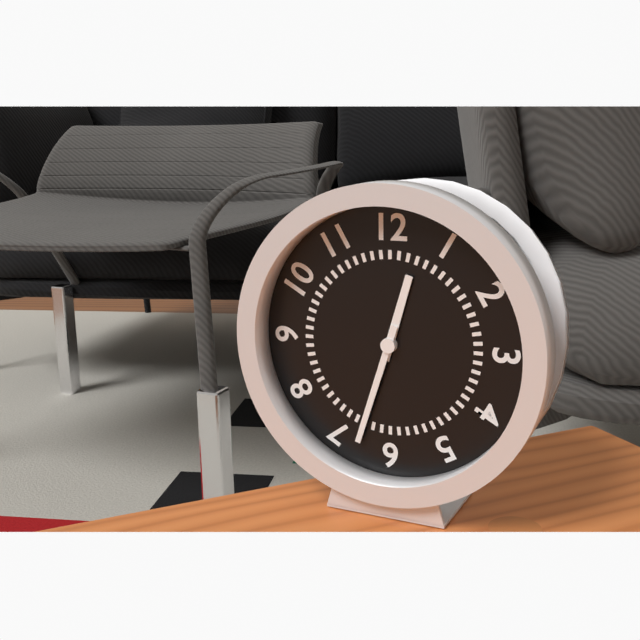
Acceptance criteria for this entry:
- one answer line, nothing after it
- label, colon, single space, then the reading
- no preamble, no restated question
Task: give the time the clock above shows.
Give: 12:33
